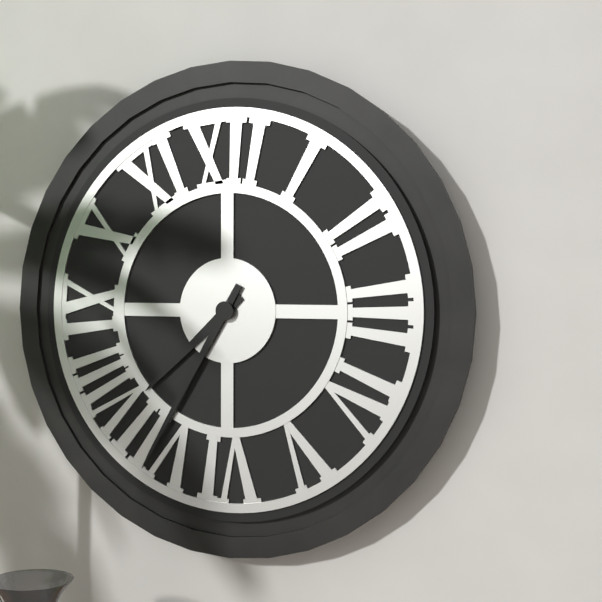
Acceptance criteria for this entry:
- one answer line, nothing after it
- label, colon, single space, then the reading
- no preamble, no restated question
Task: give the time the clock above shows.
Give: 7:35
